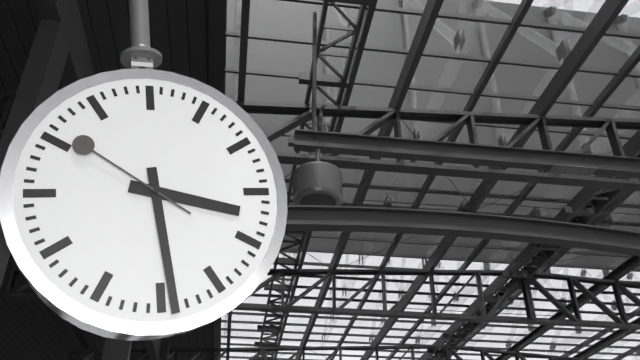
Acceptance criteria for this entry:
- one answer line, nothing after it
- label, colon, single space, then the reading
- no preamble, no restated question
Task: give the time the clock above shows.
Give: 3:29:51
